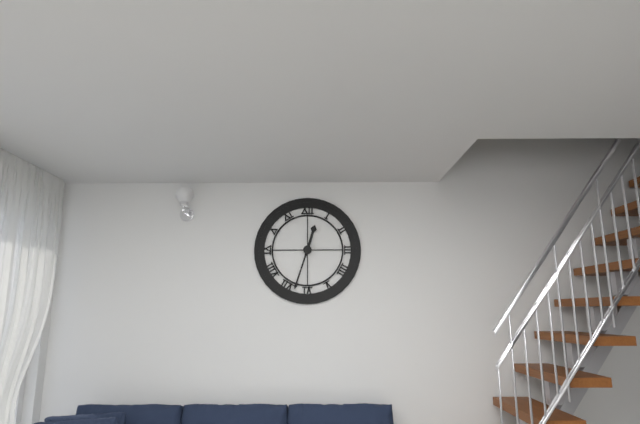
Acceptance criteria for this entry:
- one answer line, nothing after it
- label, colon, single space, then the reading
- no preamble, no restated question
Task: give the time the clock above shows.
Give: 12:33
